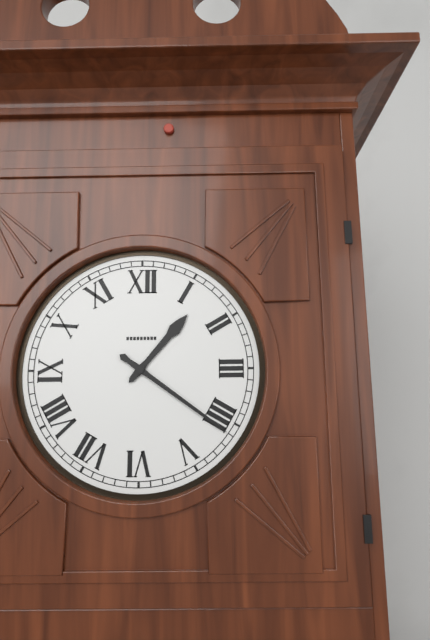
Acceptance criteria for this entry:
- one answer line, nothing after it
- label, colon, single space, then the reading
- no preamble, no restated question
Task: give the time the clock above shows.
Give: 1:21
